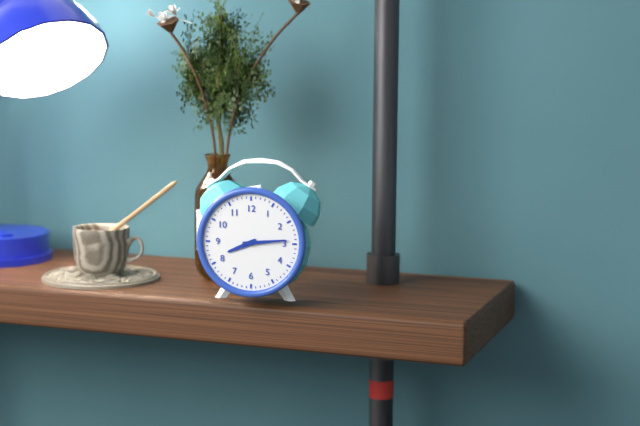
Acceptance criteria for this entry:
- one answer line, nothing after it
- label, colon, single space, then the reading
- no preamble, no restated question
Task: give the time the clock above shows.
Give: 8:14
